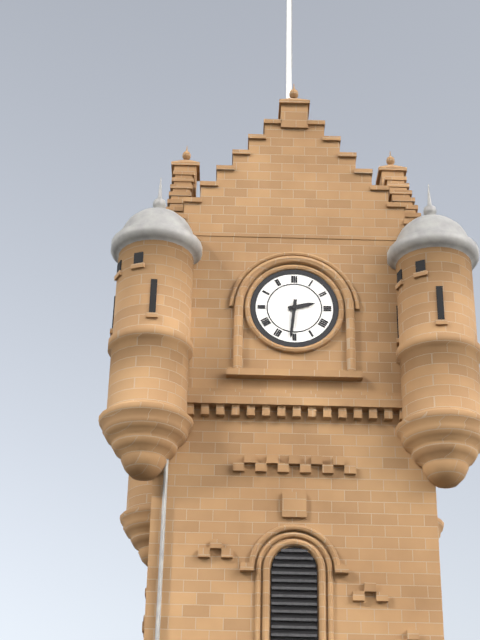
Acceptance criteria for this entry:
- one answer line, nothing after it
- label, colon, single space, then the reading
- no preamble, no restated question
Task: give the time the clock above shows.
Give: 2:31
